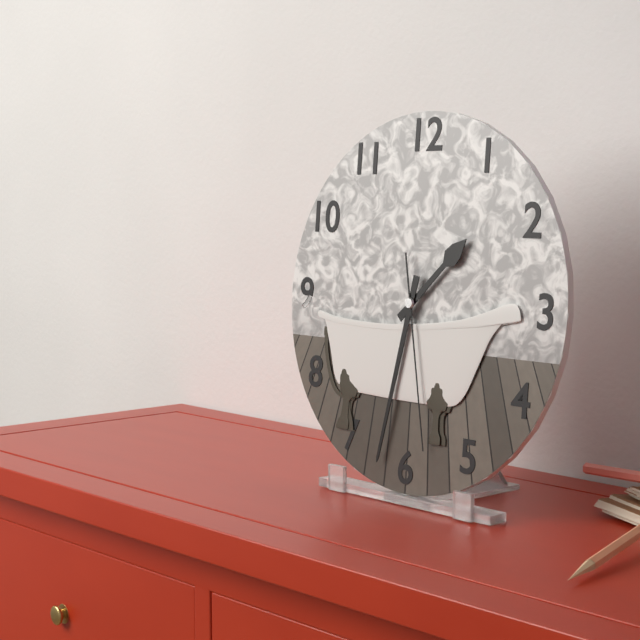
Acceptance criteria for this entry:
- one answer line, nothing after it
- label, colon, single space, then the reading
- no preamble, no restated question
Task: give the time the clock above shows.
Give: 1:32:28
